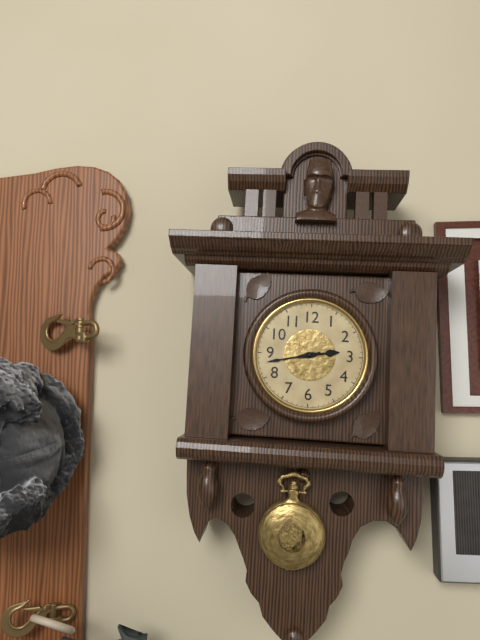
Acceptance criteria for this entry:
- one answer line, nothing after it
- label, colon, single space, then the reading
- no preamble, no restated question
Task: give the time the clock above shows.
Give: 2:43
